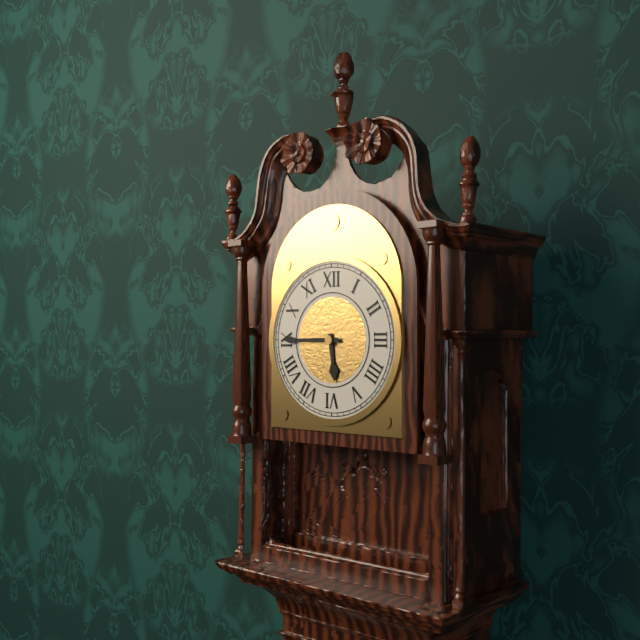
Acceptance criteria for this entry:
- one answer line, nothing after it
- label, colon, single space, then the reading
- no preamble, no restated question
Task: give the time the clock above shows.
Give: 5:45
